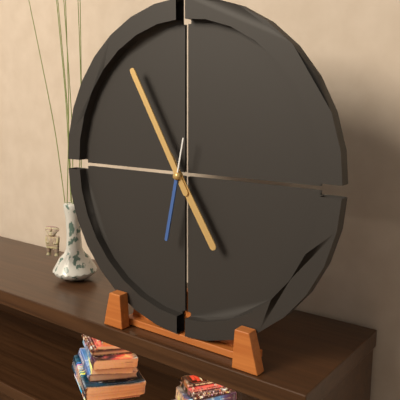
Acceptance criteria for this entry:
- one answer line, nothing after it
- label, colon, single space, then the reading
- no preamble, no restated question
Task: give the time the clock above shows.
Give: 4:55:32
